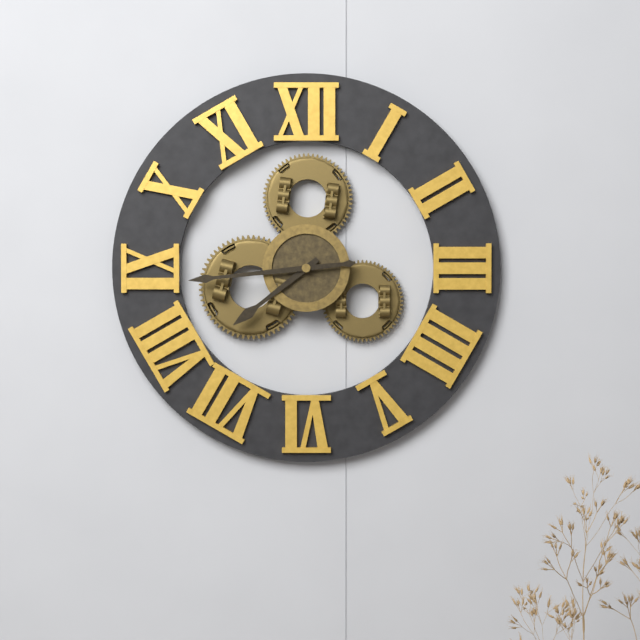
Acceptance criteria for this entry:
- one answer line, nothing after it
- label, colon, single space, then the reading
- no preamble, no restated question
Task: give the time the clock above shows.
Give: 7:44
